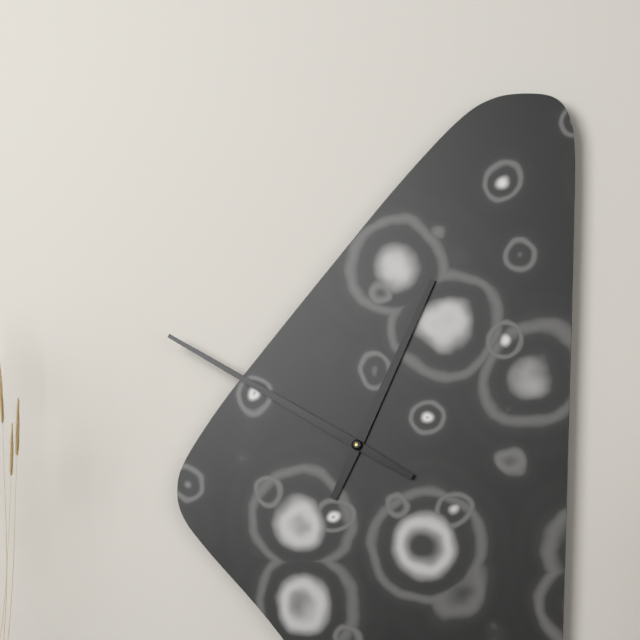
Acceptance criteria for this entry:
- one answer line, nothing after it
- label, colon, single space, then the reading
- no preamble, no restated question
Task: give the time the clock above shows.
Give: 12:50
